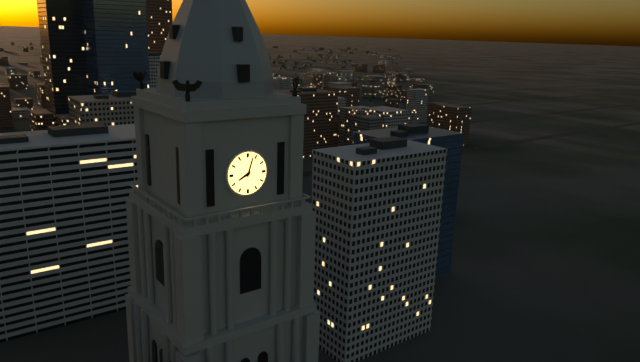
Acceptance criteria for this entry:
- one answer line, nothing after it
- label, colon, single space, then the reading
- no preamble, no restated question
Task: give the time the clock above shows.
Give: 8:03
